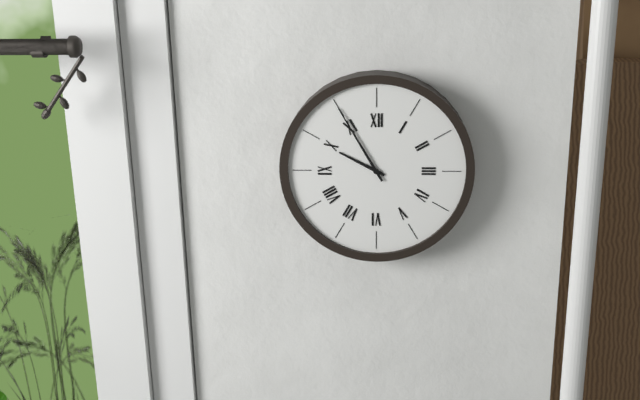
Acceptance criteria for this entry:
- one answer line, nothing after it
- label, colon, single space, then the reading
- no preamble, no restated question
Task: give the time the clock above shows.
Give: 9:55
